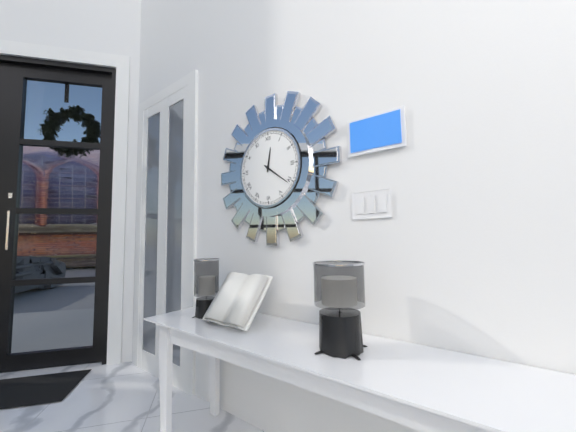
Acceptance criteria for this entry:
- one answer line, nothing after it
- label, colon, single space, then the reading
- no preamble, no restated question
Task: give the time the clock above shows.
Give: 12:21
